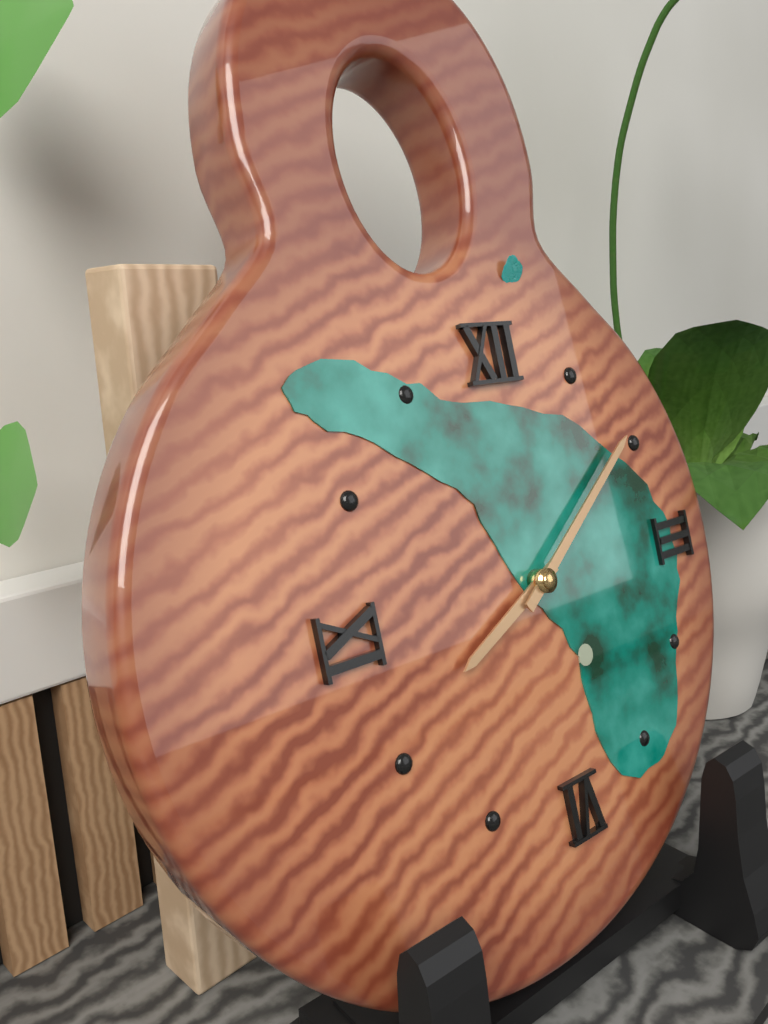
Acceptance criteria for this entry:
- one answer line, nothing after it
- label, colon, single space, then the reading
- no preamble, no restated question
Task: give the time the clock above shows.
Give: 8:09
